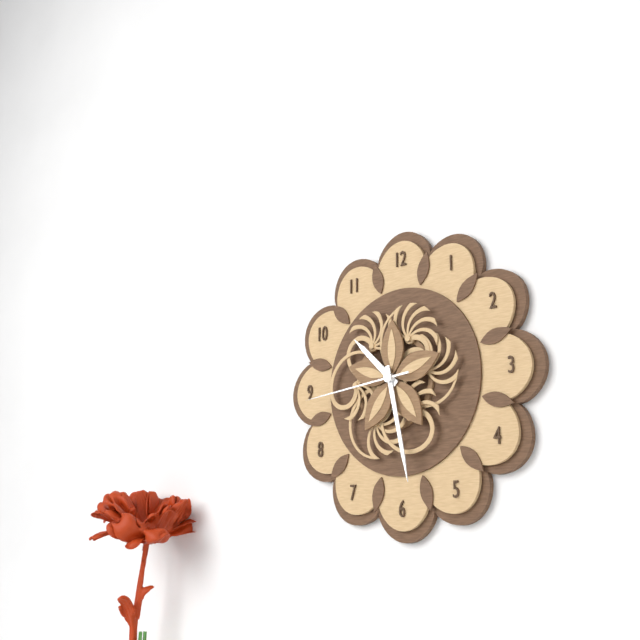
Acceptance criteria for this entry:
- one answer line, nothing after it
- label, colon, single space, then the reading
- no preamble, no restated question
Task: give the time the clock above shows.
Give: 10:28:44
